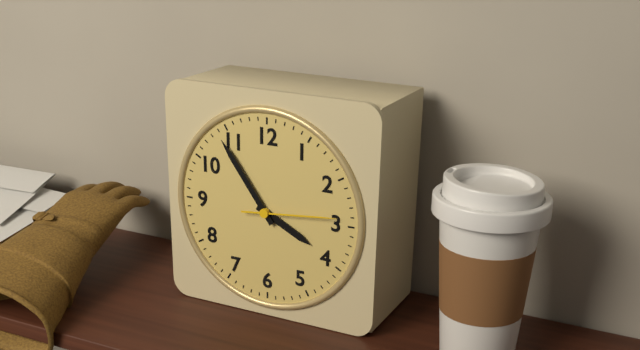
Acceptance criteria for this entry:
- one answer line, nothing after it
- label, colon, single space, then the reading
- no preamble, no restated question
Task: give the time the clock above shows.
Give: 3:54:14
